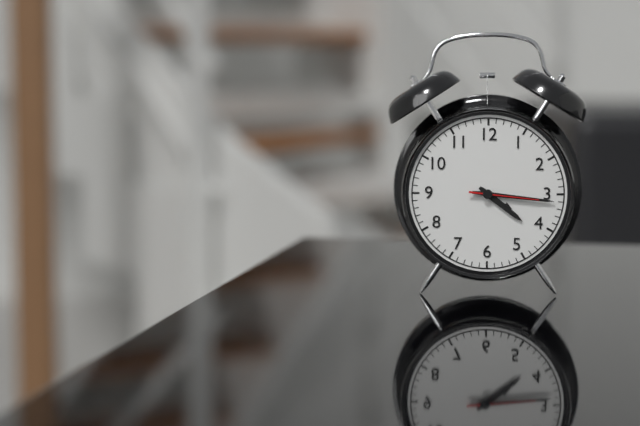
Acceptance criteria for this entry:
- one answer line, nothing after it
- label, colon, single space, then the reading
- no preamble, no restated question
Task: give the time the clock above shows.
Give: 4:16:16
